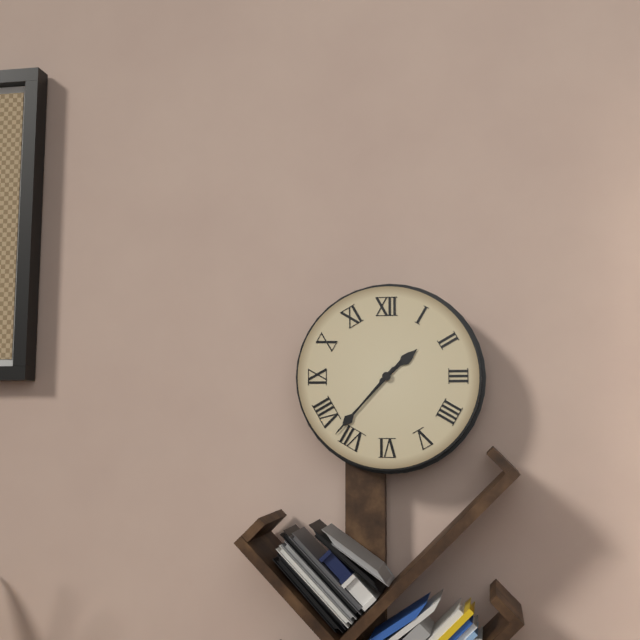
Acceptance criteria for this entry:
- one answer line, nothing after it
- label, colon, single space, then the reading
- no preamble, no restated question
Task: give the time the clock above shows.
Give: 1:37:37
